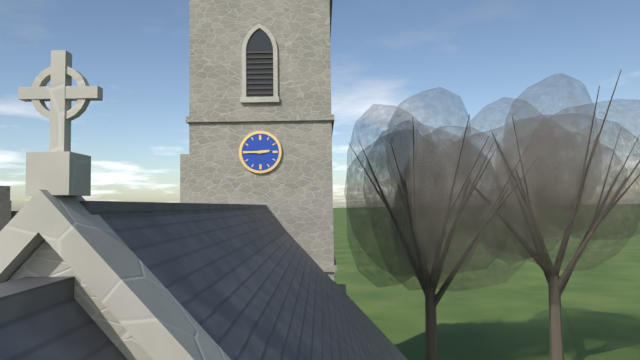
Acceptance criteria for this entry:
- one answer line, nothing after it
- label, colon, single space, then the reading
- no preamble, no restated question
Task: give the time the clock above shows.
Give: 2:45
